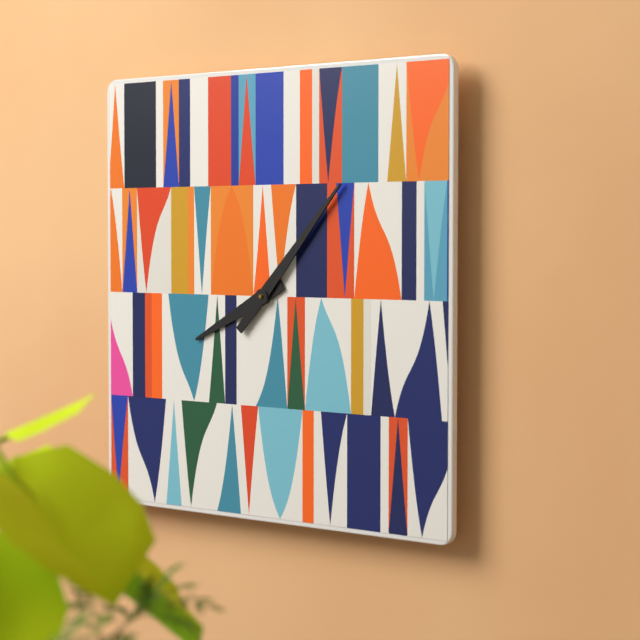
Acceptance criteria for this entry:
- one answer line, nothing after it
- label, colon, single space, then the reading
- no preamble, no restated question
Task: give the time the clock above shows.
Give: 8:07
